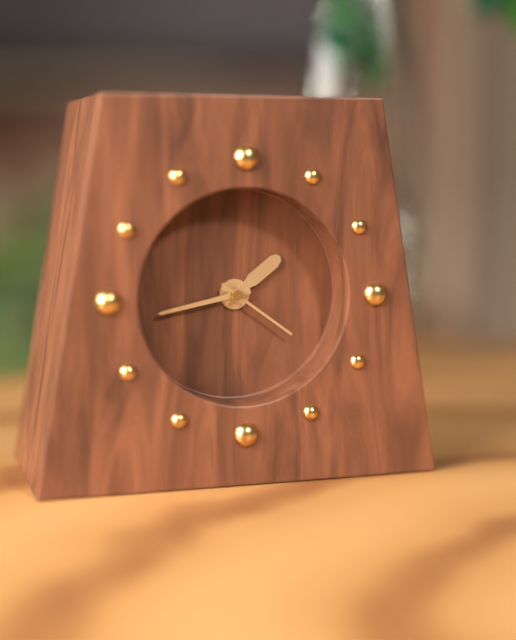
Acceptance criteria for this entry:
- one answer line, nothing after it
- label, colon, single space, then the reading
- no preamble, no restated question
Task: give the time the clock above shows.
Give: 1:43:21
